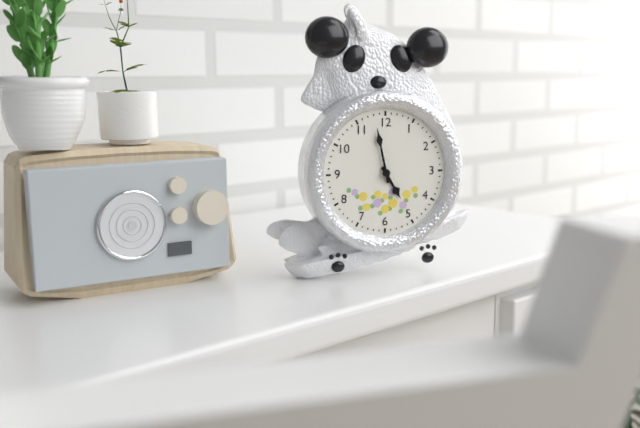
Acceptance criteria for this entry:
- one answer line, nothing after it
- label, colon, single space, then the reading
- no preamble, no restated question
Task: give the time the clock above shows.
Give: 4:58
